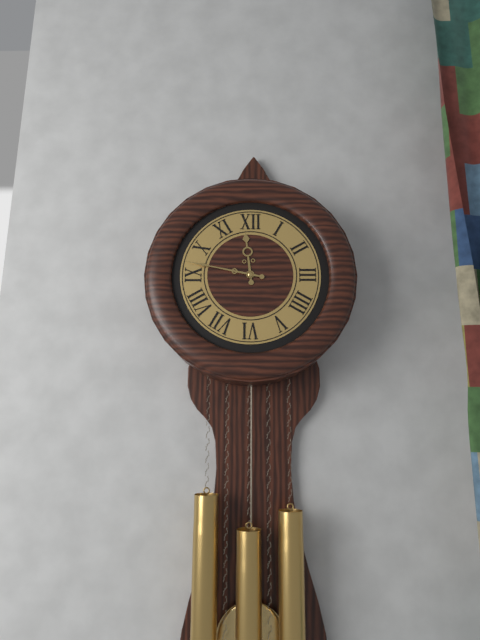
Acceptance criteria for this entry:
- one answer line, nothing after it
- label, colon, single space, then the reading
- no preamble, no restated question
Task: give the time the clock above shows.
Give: 11:47
